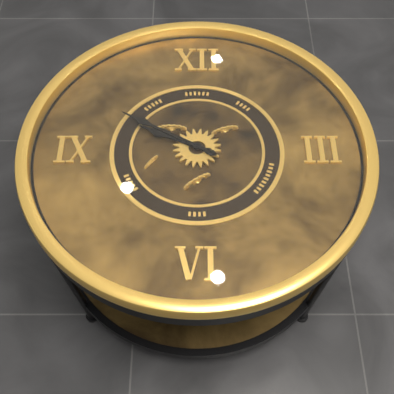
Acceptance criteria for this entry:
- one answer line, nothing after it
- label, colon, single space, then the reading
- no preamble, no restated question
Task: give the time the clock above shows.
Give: 9:50
